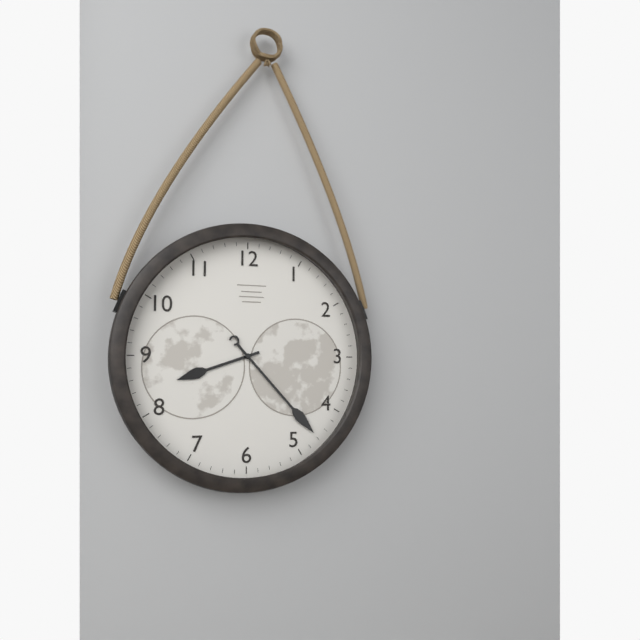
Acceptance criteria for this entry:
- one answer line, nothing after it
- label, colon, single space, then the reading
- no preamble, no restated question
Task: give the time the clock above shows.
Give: 8:23
